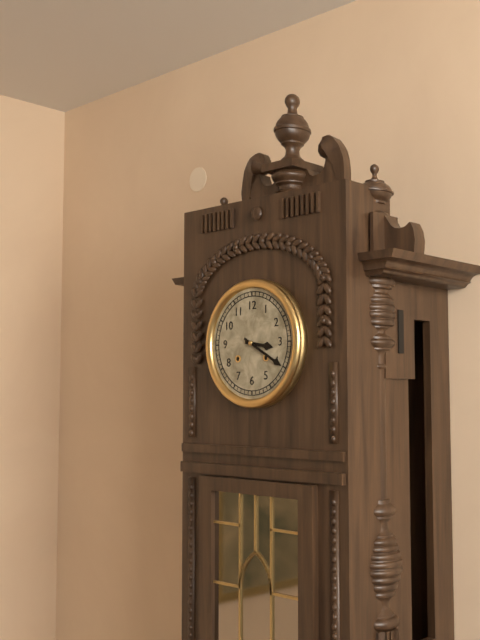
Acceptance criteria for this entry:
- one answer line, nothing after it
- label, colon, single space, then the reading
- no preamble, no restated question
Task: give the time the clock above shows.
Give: 3:20
